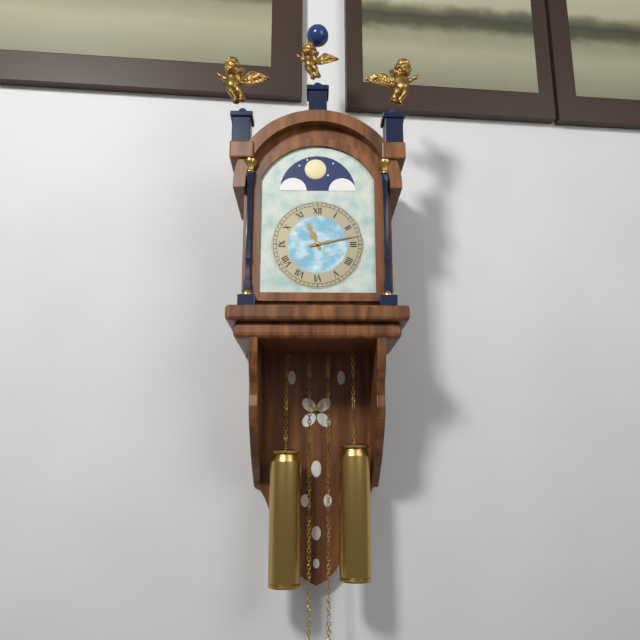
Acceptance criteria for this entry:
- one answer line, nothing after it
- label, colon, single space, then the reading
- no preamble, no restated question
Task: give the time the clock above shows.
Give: 11:13
